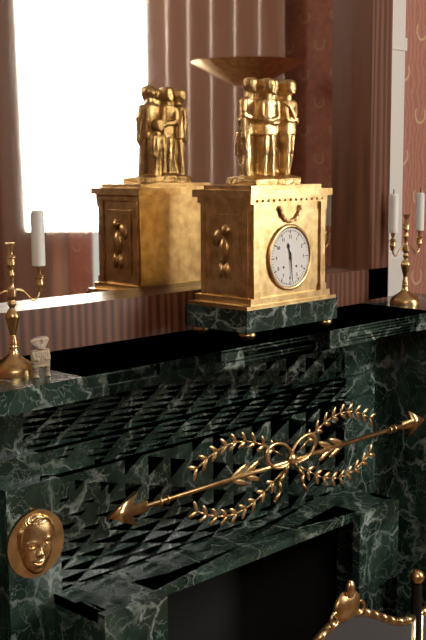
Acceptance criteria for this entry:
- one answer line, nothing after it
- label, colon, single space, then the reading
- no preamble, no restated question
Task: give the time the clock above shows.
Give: 11:29
